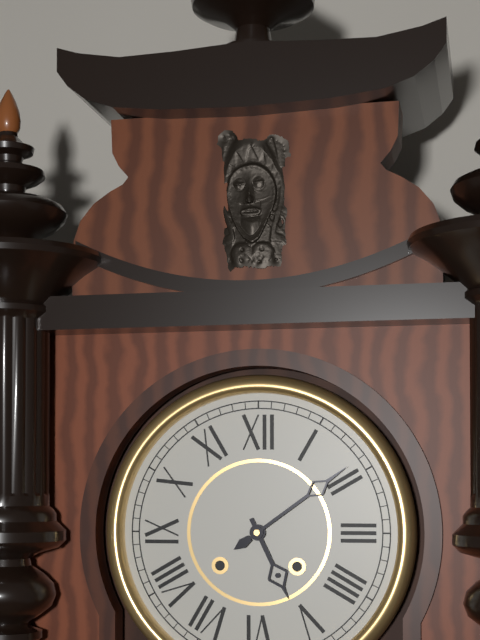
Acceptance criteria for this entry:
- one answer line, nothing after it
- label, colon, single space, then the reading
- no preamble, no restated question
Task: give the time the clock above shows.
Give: 5:09
